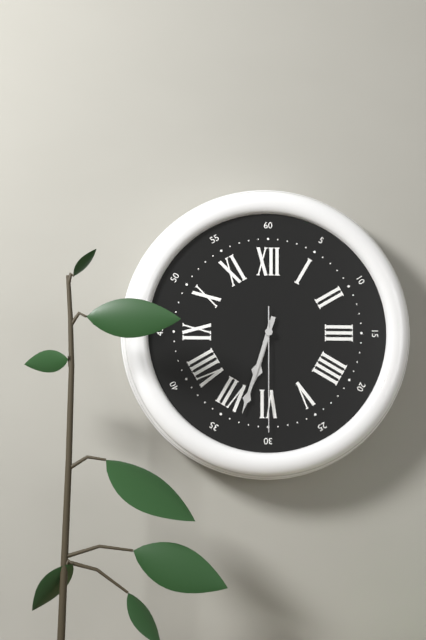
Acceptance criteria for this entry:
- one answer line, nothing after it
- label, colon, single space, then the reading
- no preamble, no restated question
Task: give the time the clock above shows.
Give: 6:33:30
